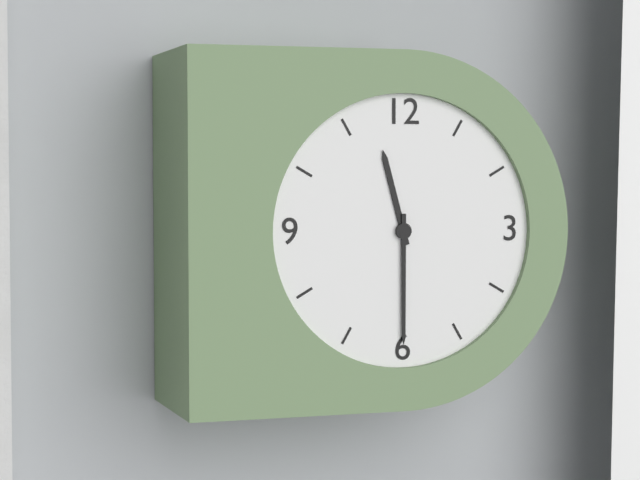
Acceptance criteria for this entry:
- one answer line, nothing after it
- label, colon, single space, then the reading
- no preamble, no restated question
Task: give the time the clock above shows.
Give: 11:30
